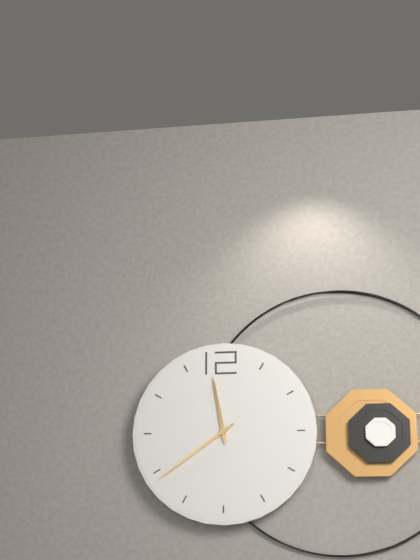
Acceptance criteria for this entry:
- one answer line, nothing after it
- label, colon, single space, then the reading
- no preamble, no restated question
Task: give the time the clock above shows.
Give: 11:39
